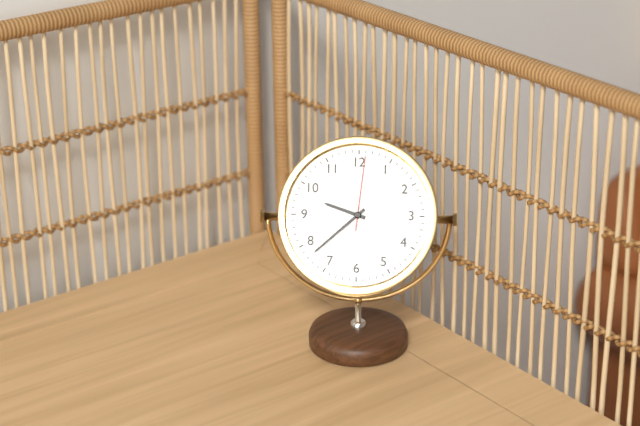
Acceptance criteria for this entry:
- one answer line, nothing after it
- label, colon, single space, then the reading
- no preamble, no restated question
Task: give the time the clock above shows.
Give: 9:38:01
